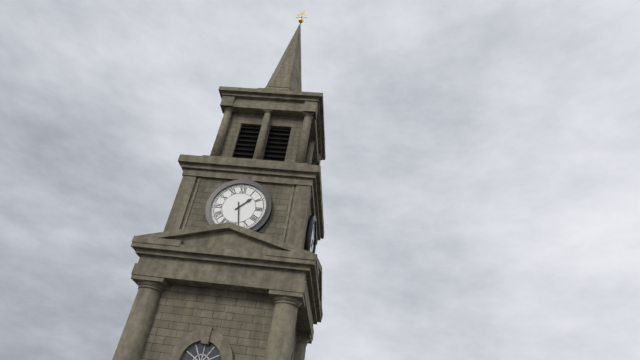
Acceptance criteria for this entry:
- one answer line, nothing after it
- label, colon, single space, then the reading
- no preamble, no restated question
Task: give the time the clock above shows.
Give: 1:28
